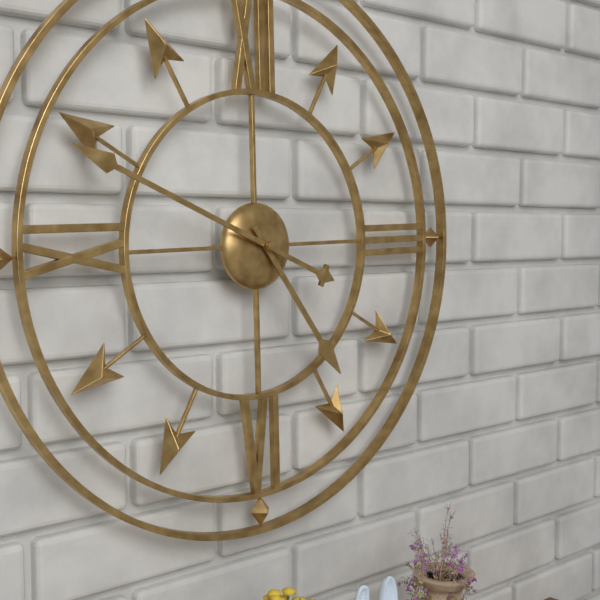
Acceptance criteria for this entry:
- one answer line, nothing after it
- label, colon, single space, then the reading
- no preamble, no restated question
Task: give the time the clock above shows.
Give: 4:49
